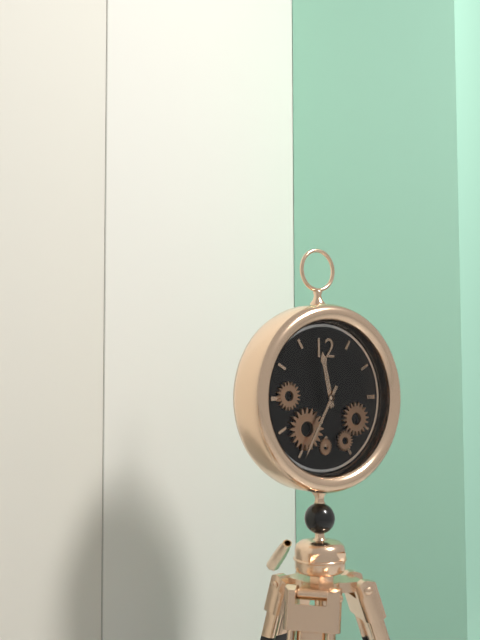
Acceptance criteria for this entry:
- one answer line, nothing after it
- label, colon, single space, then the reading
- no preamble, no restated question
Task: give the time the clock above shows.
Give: 11:35
